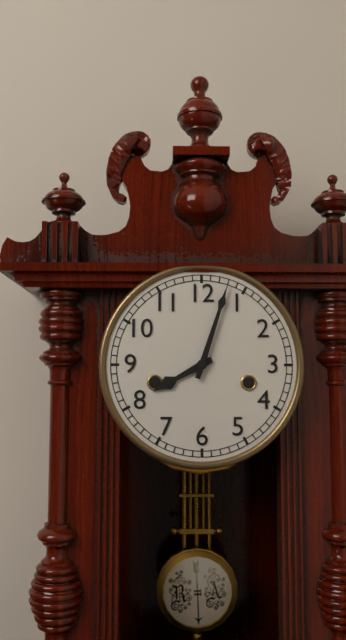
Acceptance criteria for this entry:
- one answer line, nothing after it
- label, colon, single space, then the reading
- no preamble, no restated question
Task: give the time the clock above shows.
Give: 8:03
